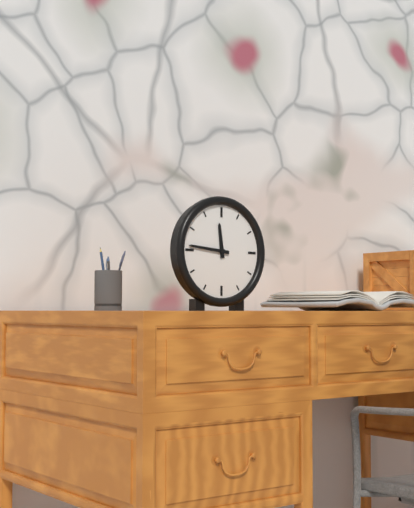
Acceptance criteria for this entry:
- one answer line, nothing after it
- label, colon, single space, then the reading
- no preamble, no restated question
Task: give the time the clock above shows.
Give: 11:46
